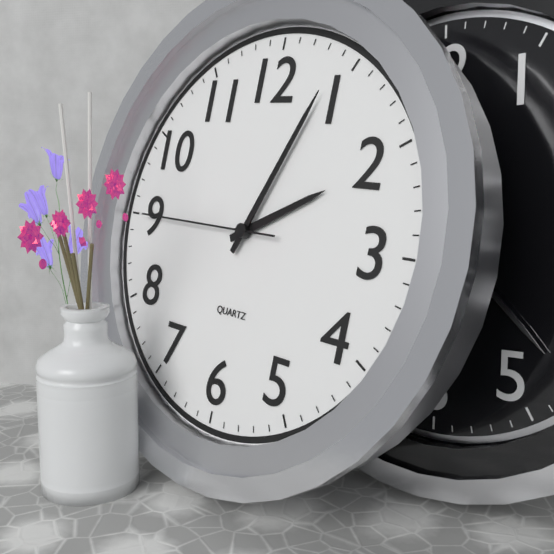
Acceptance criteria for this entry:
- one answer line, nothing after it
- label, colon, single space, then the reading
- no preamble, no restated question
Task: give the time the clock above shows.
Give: 2:04:45
